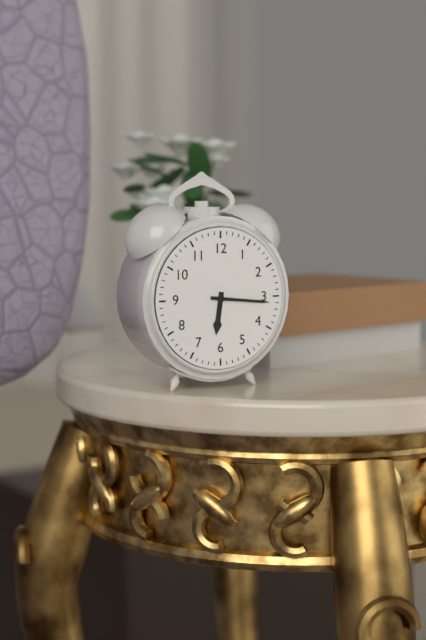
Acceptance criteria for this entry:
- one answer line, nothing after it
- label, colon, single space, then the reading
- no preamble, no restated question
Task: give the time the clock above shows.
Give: 6:16
